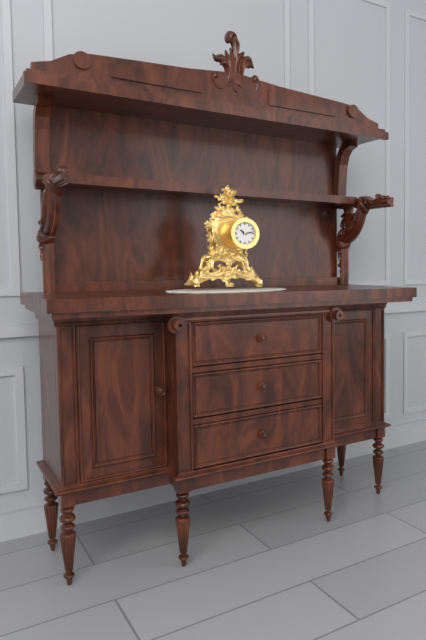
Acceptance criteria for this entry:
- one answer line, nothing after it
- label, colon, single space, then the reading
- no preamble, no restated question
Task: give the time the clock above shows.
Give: 10:13
